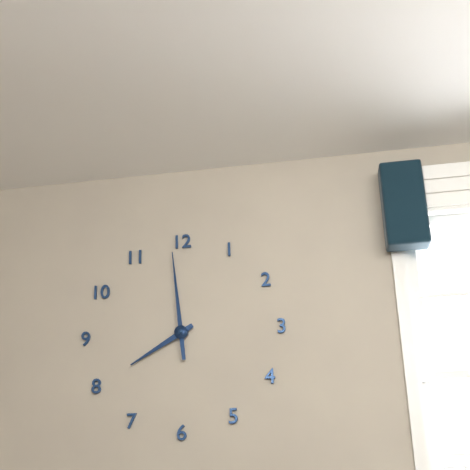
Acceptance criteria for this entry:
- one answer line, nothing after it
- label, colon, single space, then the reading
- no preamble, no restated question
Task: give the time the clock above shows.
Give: 7:59
